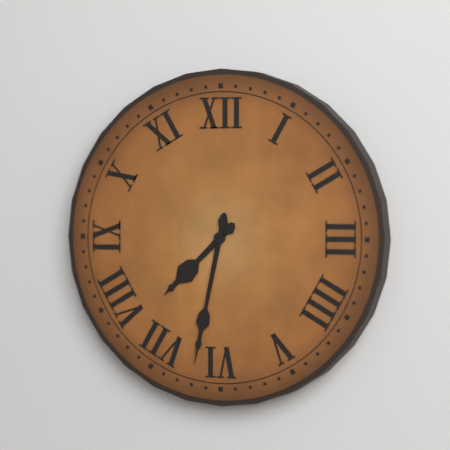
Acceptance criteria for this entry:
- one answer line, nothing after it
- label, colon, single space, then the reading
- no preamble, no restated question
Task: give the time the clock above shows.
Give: 7:32
